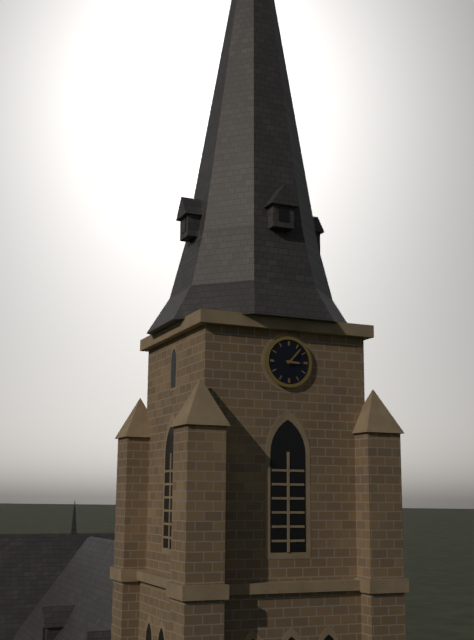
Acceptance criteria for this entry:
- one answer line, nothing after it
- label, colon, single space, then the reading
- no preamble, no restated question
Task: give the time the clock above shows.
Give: 3:07
